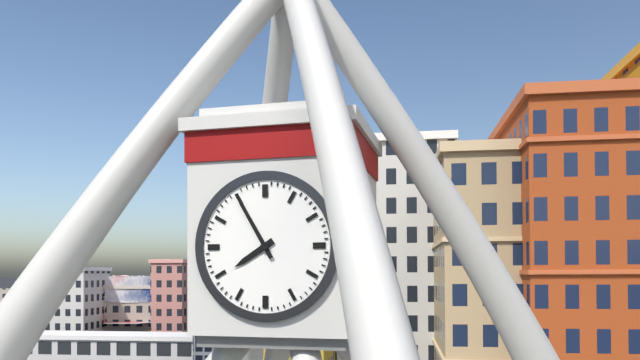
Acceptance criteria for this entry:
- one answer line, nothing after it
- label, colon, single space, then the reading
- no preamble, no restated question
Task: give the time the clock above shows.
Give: 7:55
